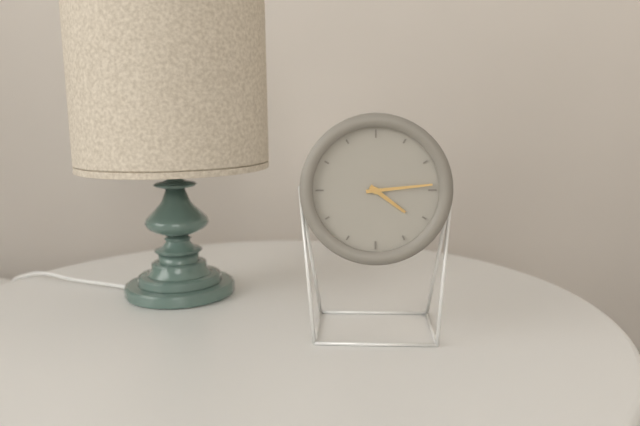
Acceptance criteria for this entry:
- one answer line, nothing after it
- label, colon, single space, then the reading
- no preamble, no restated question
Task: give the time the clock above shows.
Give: 4:14
